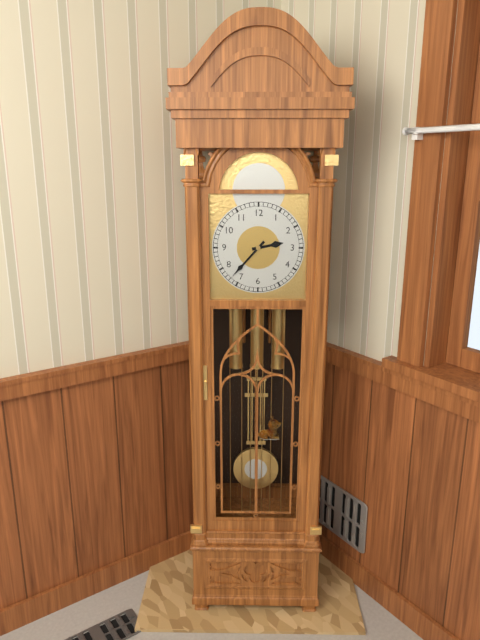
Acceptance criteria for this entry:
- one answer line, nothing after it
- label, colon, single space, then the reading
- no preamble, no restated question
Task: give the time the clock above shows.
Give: 2:37
